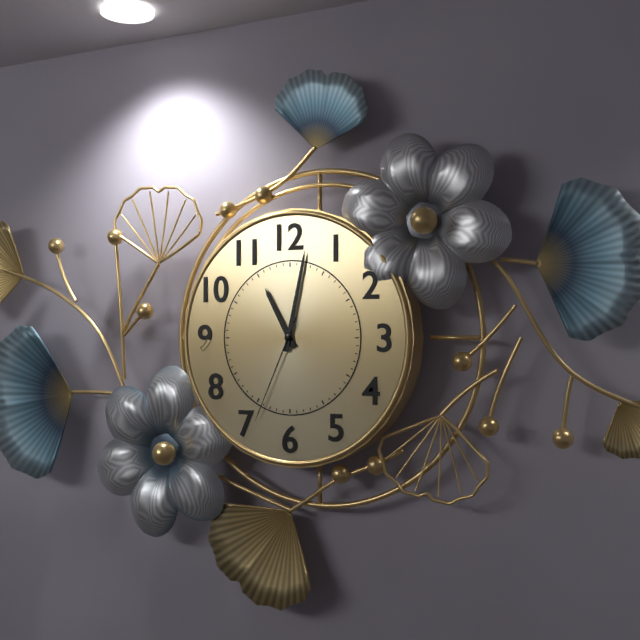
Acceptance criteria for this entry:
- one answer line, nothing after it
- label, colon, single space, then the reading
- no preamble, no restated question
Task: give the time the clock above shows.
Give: 11:02:34
